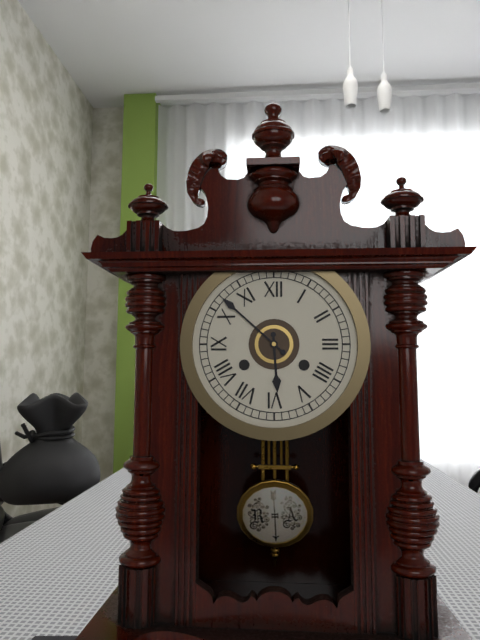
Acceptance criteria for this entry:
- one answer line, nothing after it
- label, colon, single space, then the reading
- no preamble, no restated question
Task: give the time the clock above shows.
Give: 5:52
